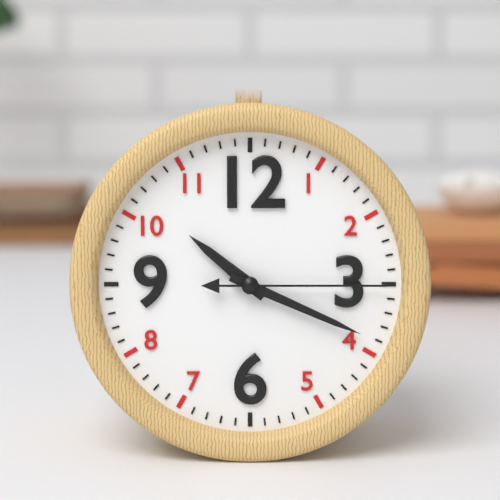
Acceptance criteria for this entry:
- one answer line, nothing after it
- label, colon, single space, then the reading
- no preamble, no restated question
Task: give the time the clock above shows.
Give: 10:19:15
